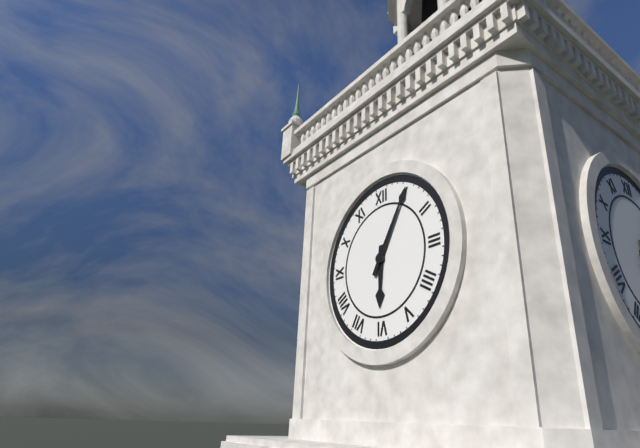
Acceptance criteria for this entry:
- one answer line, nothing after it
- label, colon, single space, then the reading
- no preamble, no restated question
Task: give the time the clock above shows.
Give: 6:05
